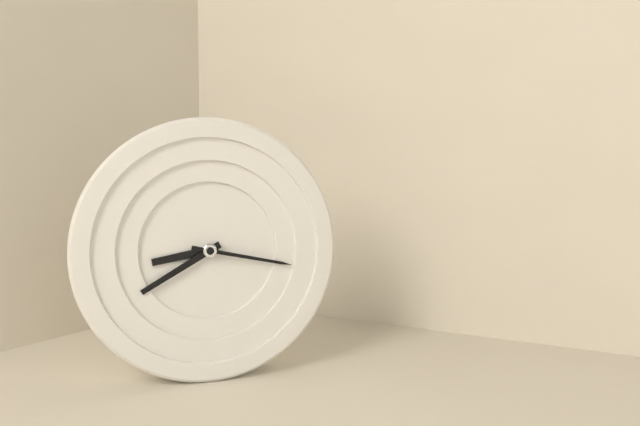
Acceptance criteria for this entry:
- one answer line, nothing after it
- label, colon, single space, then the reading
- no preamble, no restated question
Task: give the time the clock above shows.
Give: 8:40:17
